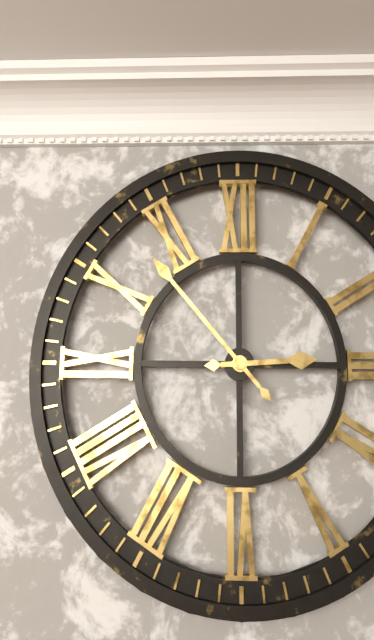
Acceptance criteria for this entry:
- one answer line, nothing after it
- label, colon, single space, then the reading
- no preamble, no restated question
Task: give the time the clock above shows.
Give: 2:53
